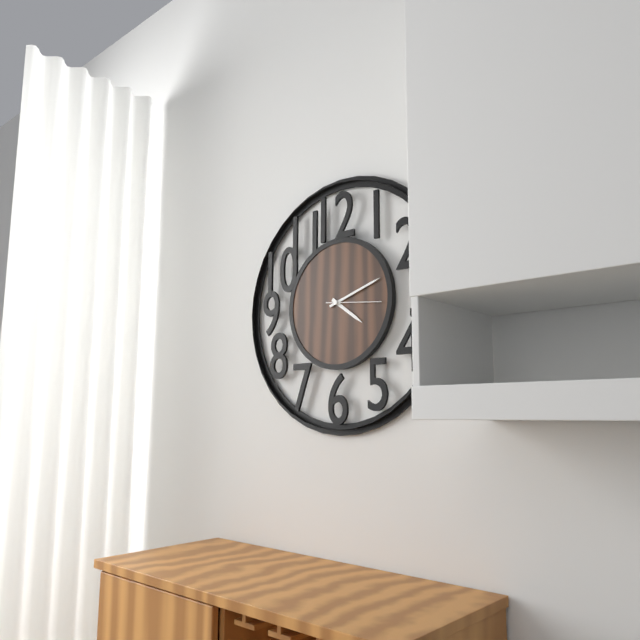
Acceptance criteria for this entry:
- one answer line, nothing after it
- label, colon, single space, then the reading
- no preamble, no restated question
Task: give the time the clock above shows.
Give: 4:12:16
